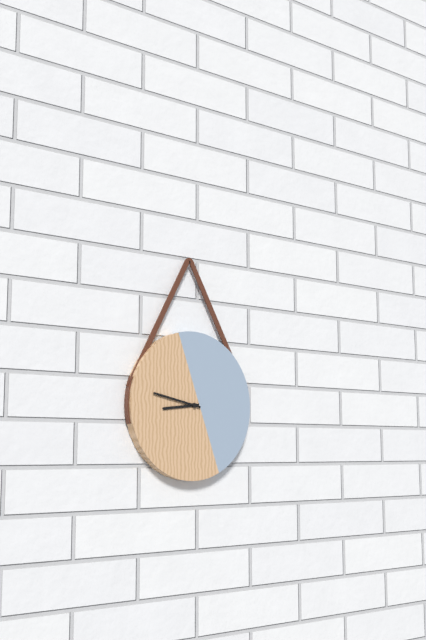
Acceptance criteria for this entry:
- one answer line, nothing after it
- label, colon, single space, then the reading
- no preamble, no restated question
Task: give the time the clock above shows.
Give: 8:47
